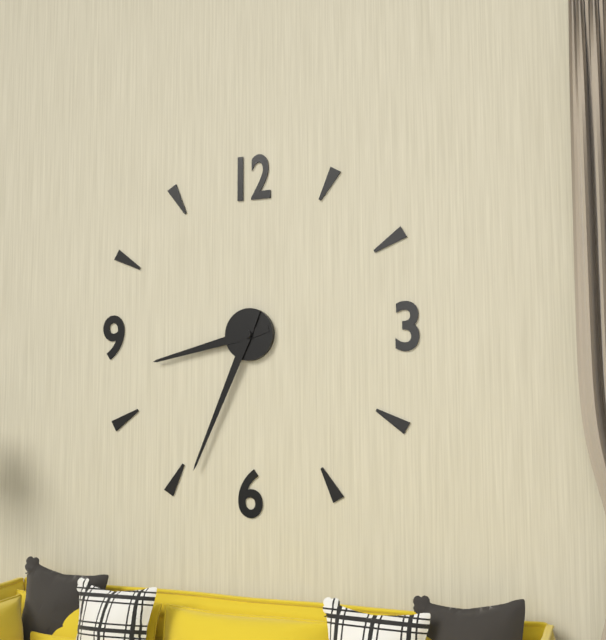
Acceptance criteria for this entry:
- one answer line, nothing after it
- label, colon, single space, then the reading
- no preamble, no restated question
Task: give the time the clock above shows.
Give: 8:34
